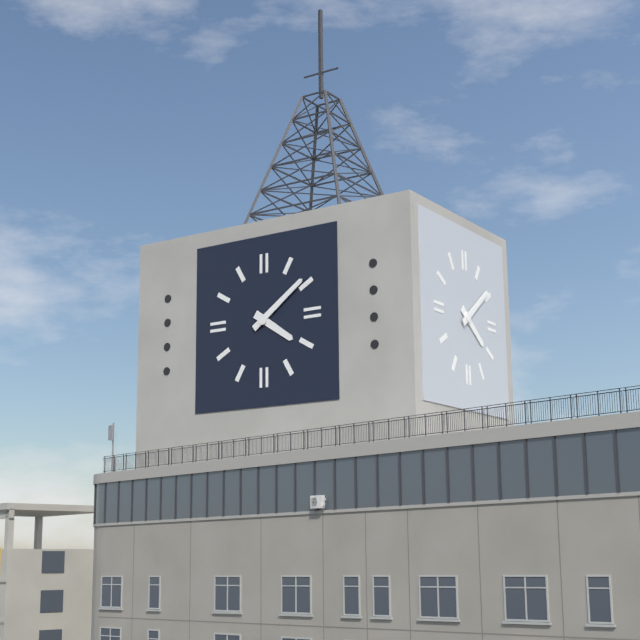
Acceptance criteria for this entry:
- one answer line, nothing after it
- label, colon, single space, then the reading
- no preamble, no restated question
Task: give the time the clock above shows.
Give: 4:09
